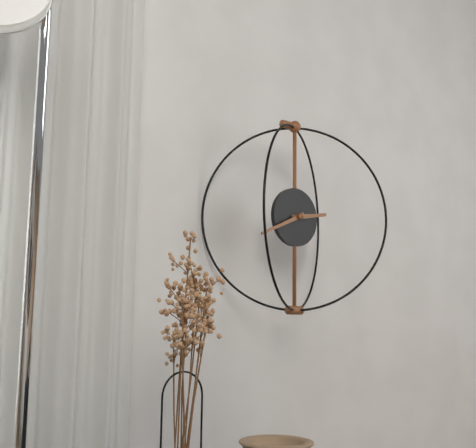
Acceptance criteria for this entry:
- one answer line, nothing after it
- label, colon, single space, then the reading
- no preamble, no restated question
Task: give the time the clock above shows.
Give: 2:41
